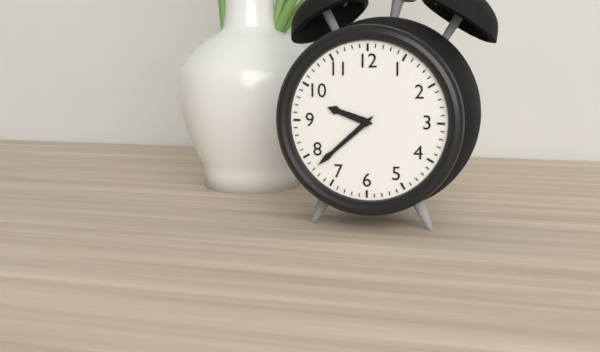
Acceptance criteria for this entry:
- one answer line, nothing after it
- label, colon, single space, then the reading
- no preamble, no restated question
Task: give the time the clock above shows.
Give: 9:38
